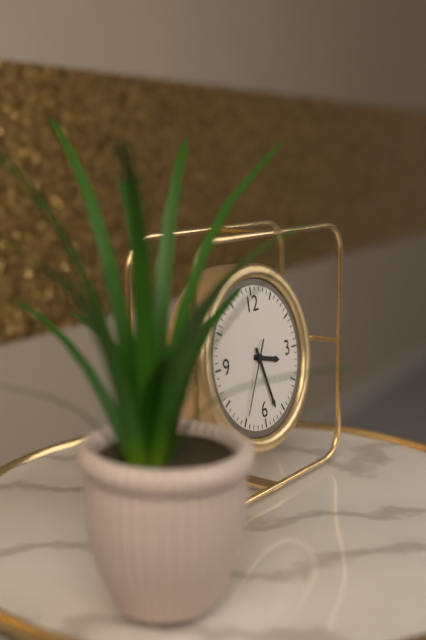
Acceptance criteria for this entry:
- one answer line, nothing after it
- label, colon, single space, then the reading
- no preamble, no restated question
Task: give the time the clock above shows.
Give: 3:27:35
